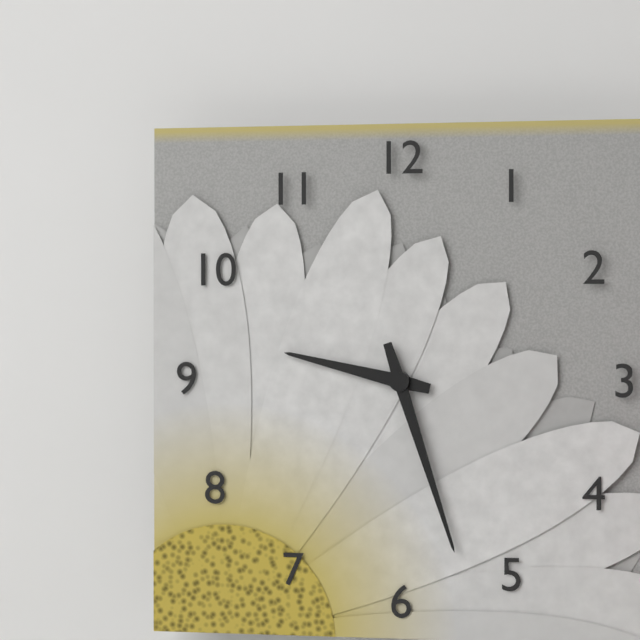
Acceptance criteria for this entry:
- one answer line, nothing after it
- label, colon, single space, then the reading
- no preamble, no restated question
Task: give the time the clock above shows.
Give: 9:27
